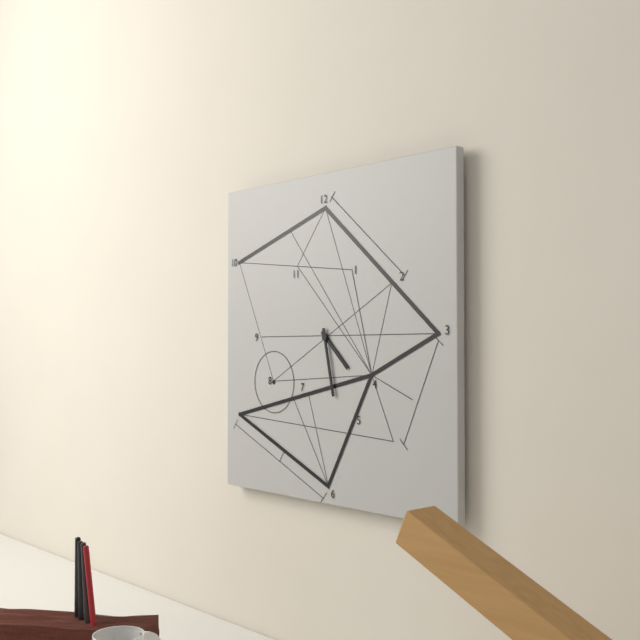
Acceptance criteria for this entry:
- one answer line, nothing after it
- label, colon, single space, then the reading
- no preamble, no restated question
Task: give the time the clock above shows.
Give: 4:28
